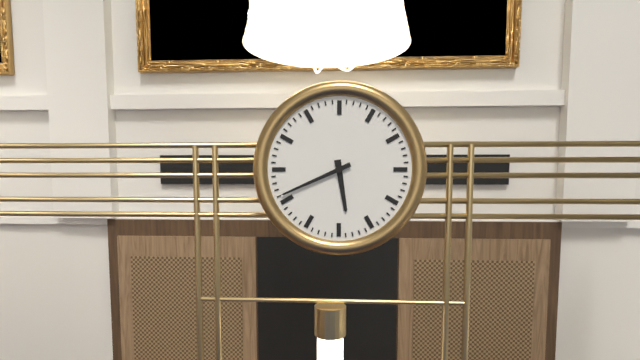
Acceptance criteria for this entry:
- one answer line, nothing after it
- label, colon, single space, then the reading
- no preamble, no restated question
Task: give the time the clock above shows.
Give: 5:41
